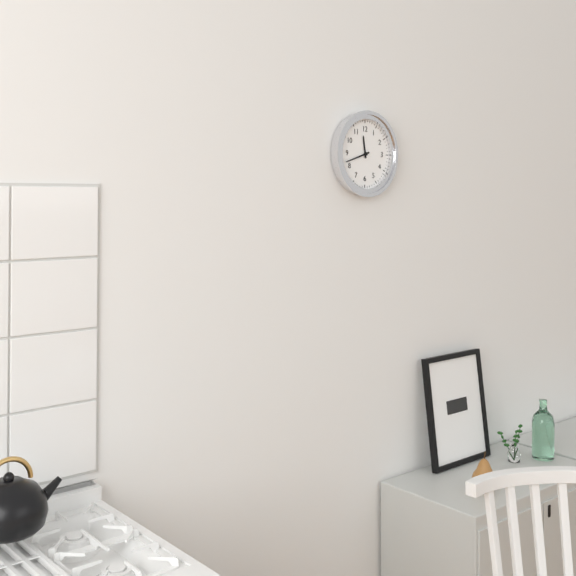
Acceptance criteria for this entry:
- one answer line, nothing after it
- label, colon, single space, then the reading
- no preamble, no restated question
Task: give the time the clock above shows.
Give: 11:42
